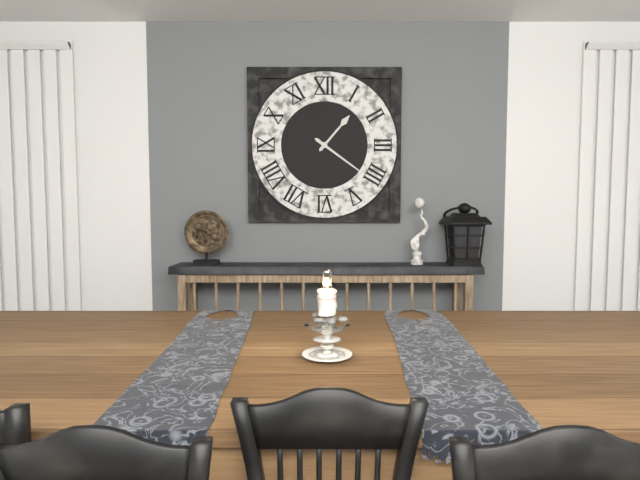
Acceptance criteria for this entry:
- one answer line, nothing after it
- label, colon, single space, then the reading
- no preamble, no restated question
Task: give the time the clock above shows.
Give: 1:21
